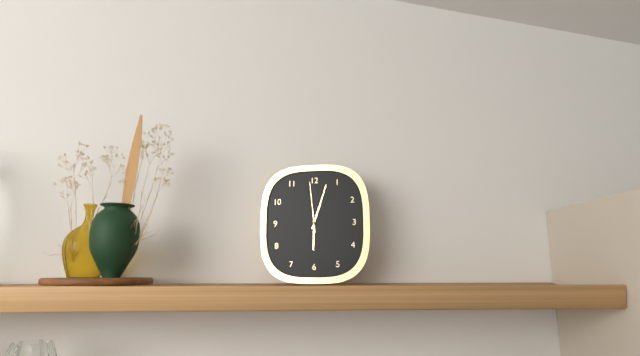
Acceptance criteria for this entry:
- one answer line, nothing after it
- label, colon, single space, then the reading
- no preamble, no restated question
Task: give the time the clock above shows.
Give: 6:03:59
